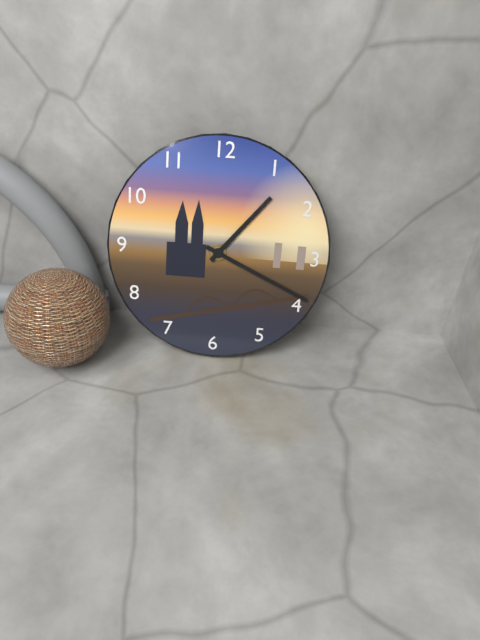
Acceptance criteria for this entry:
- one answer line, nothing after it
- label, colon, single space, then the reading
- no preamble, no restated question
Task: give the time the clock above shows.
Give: 1:19
